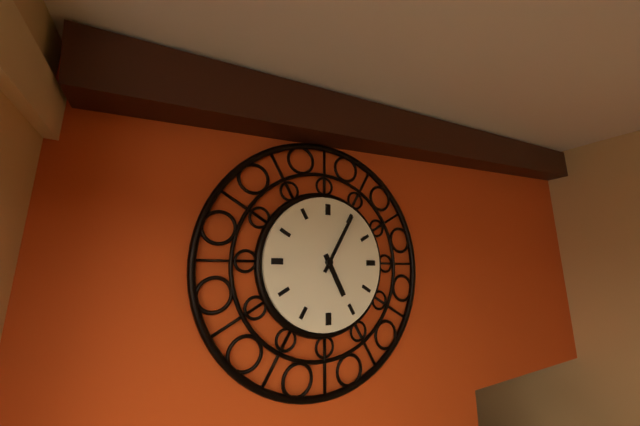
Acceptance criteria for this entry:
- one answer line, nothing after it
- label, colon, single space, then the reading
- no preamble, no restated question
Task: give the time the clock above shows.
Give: 5:05
